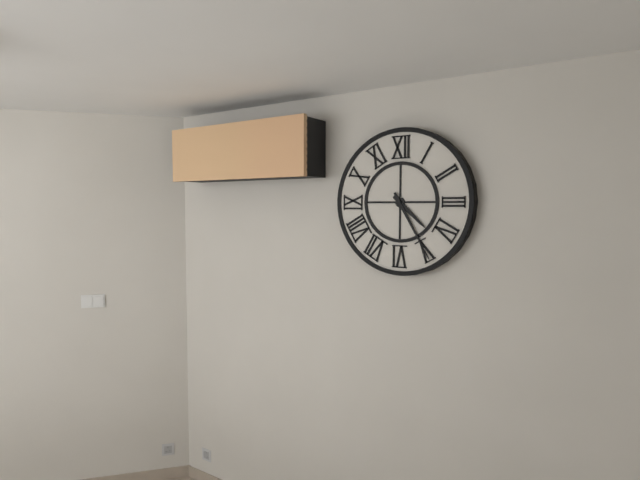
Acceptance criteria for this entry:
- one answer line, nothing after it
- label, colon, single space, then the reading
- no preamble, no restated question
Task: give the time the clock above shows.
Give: 4:25
